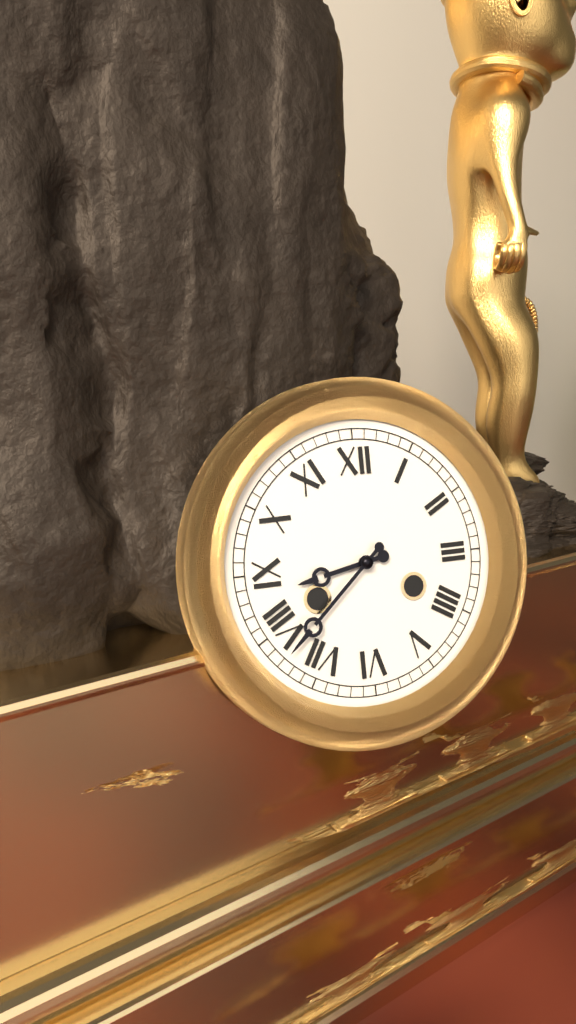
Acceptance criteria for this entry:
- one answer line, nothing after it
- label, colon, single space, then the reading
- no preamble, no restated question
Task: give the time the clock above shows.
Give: 8:38
